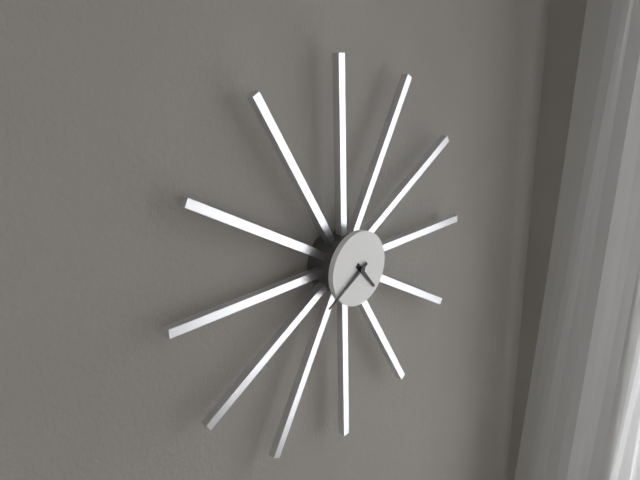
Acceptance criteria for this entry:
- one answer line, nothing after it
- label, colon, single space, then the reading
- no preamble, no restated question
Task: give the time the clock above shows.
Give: 4:40
